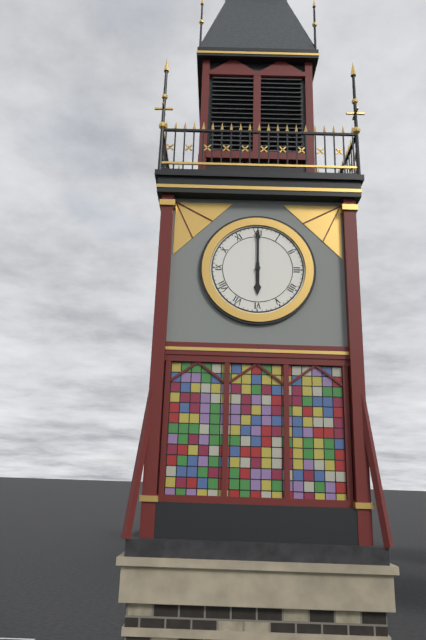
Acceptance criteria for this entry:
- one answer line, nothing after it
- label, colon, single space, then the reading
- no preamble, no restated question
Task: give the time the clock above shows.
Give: 6:00
